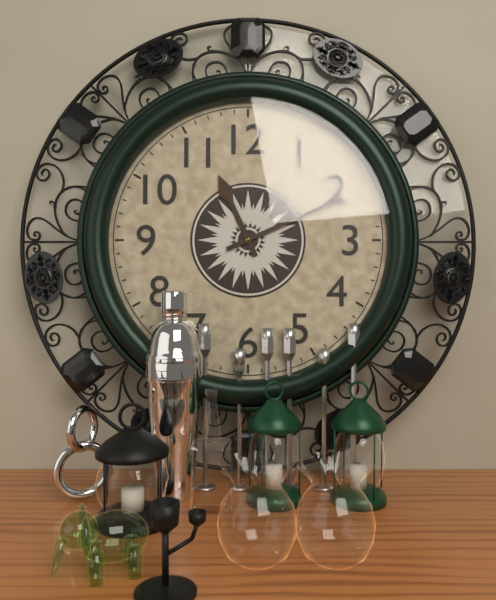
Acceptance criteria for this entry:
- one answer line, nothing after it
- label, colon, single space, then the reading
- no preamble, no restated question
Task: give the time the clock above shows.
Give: 11:11
